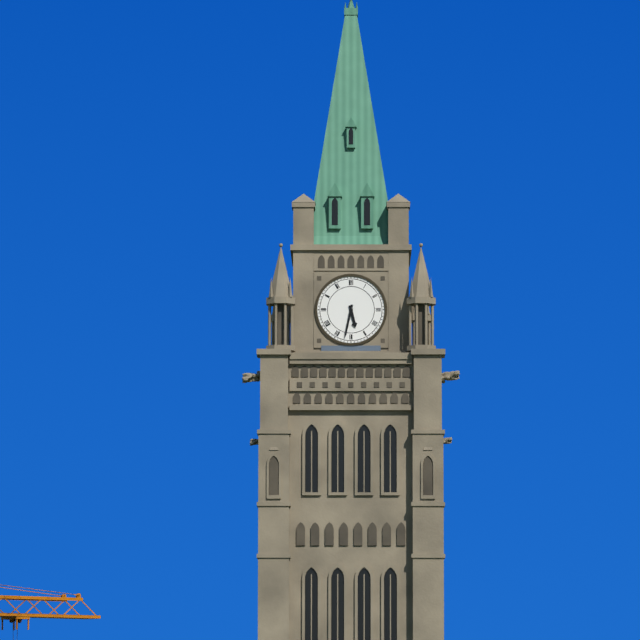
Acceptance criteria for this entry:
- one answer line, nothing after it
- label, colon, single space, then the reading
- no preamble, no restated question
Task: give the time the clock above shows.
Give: 5:32
